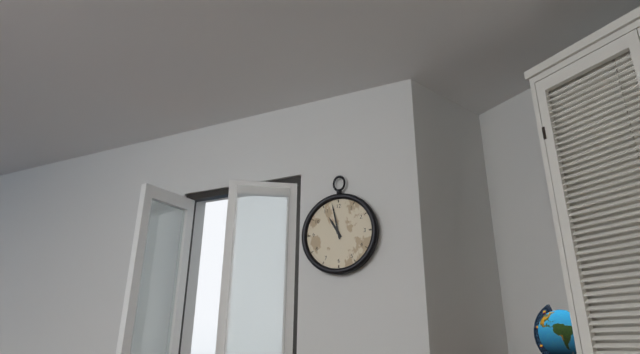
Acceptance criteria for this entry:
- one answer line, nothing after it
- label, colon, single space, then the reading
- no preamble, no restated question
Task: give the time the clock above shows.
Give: 10:58
